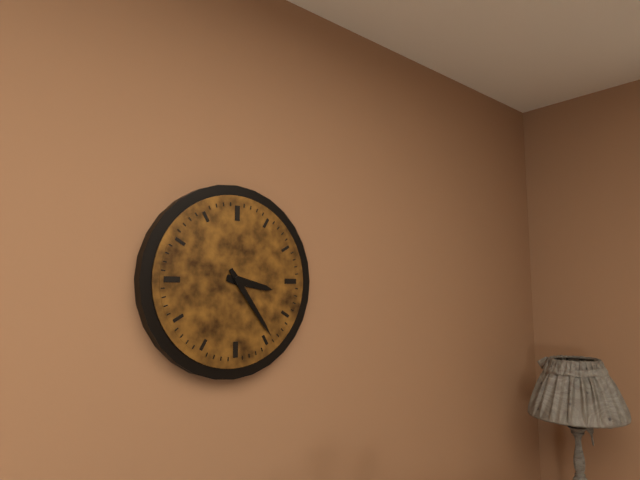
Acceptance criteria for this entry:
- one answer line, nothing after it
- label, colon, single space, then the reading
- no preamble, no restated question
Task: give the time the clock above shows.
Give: 3:24
